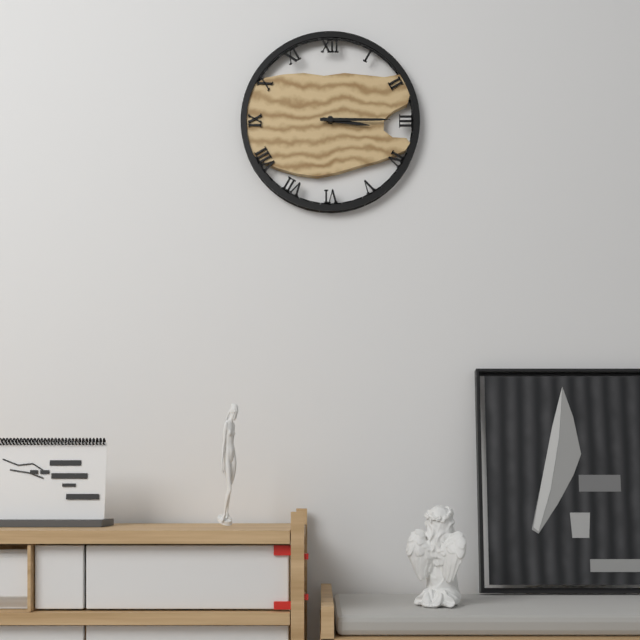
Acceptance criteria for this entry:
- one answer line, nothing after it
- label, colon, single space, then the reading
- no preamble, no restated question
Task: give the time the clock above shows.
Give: 3:15
